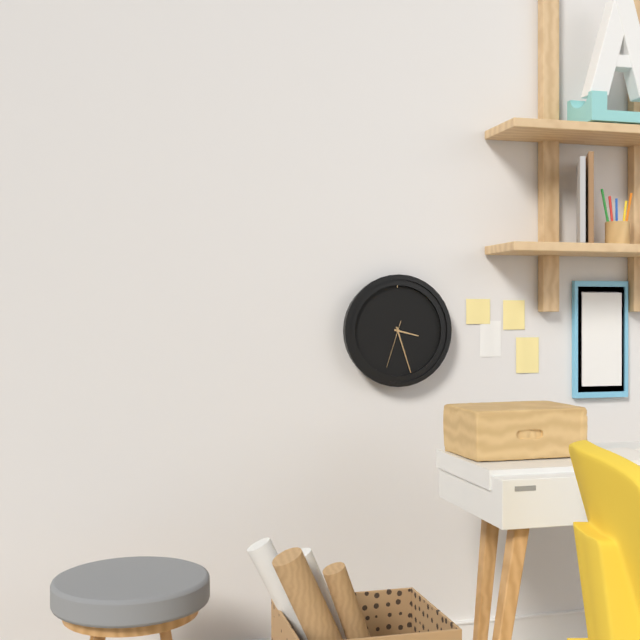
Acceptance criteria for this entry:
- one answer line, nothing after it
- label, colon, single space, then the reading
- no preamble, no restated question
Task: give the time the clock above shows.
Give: 3:27
